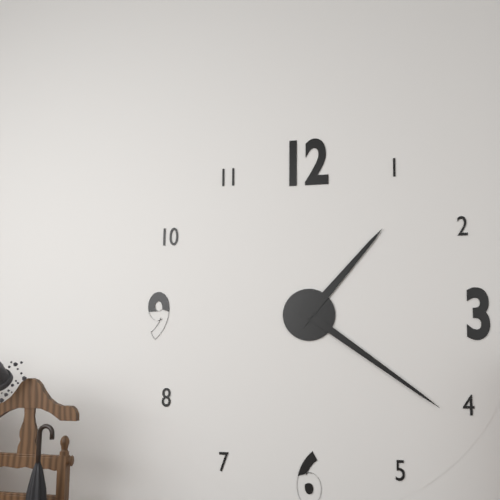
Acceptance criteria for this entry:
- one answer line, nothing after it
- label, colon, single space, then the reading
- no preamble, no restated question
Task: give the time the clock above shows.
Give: 1:21
